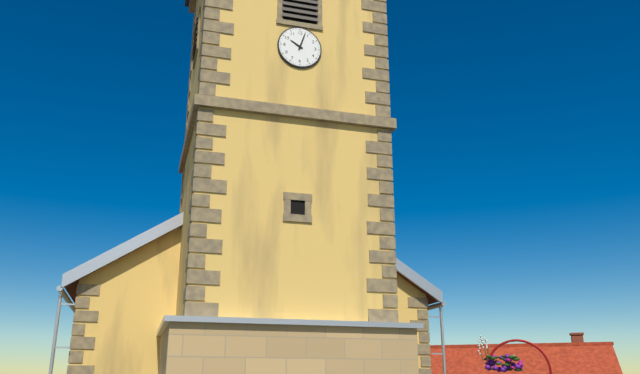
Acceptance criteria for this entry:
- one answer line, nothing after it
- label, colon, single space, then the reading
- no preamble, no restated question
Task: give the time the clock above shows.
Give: 10:03
